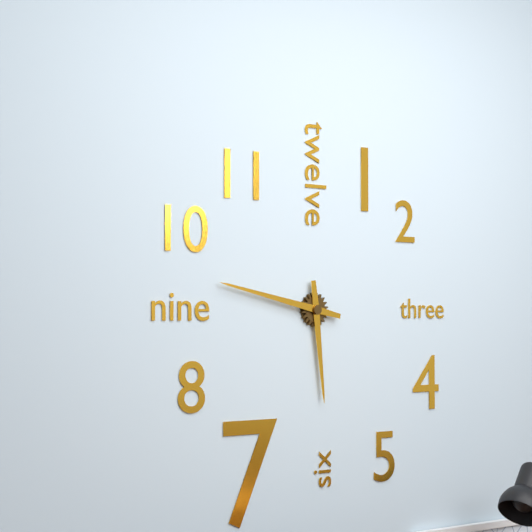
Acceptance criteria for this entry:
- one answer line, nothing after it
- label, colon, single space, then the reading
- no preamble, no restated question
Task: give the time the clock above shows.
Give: 5:47
